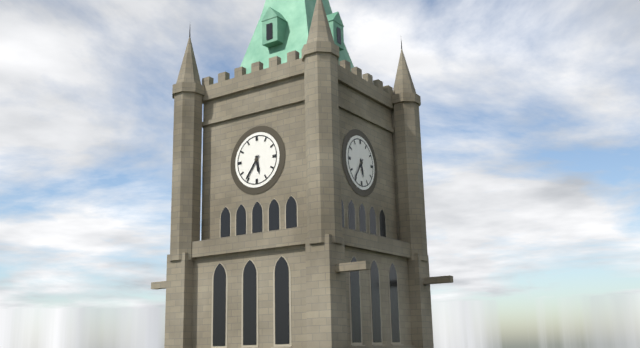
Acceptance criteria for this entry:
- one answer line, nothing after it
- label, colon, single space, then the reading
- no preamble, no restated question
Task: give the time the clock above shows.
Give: 5:36
